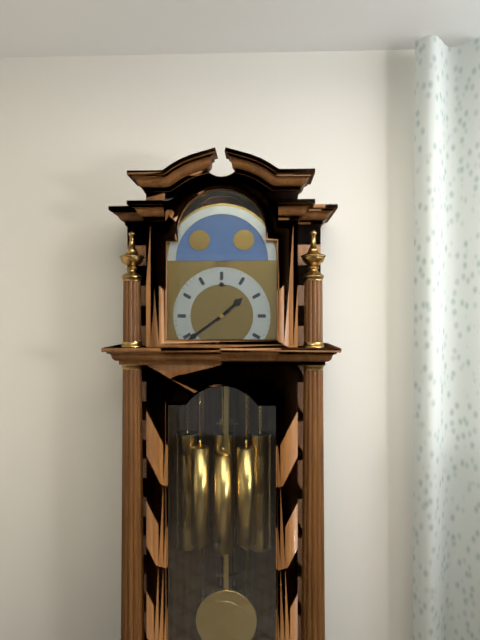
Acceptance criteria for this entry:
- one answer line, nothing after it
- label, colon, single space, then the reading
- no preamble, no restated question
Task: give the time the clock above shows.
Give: 1:39
